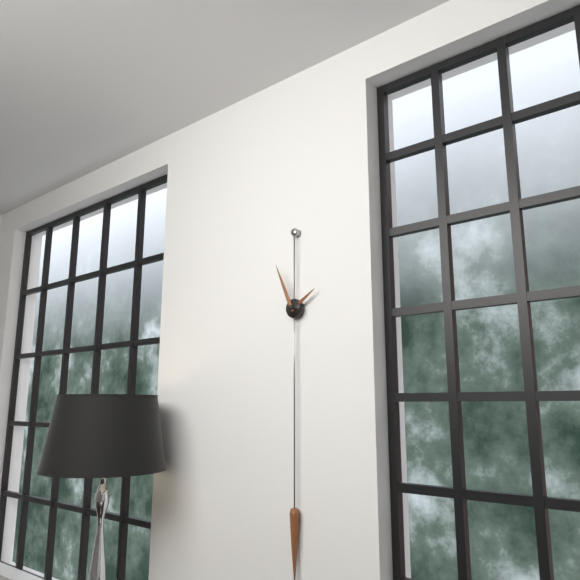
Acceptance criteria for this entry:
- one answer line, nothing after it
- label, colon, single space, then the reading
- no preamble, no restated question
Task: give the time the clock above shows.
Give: 1:56
